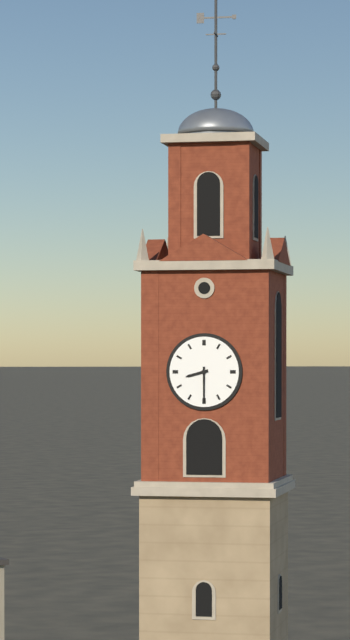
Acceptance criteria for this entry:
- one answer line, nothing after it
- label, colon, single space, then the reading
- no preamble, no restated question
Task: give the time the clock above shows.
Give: 8:30
